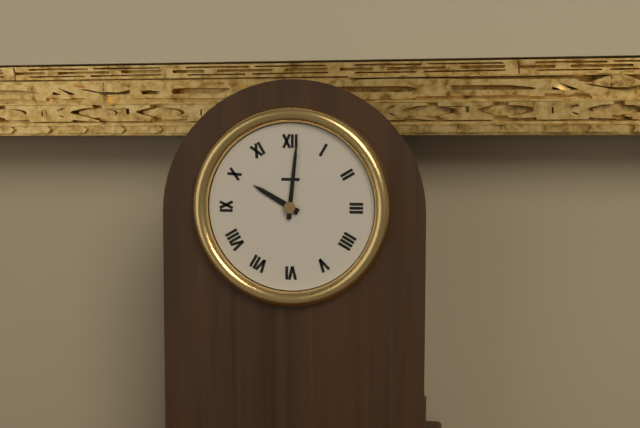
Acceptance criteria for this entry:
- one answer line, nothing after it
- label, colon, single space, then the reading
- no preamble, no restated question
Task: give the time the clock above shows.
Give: 10:01
